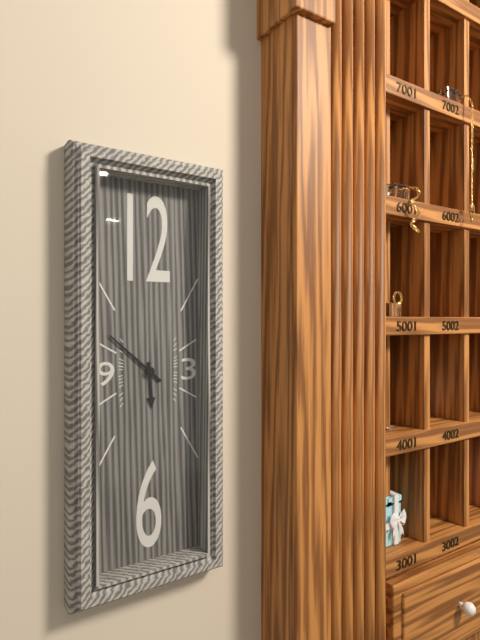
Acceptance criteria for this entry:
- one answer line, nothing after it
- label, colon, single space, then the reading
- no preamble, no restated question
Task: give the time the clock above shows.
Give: 5:52
